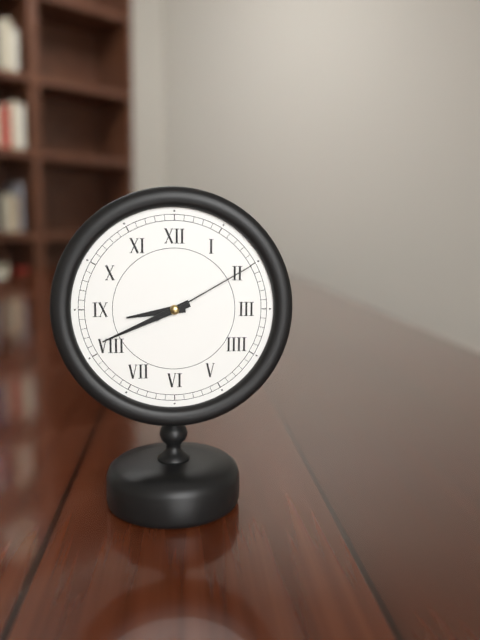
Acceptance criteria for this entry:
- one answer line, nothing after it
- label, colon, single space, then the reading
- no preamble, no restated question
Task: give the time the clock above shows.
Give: 8:41:10
